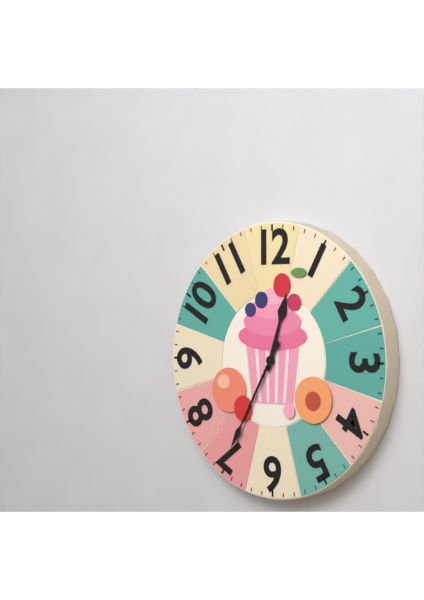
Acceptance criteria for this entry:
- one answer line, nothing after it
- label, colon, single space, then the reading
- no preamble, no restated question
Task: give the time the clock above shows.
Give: 12:35
